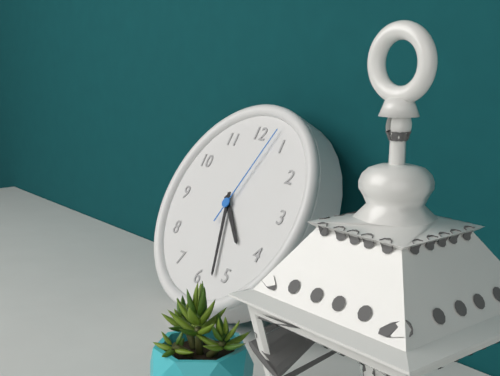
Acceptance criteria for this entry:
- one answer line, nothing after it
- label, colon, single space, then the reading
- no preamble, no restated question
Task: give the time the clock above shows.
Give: 4:27:03
